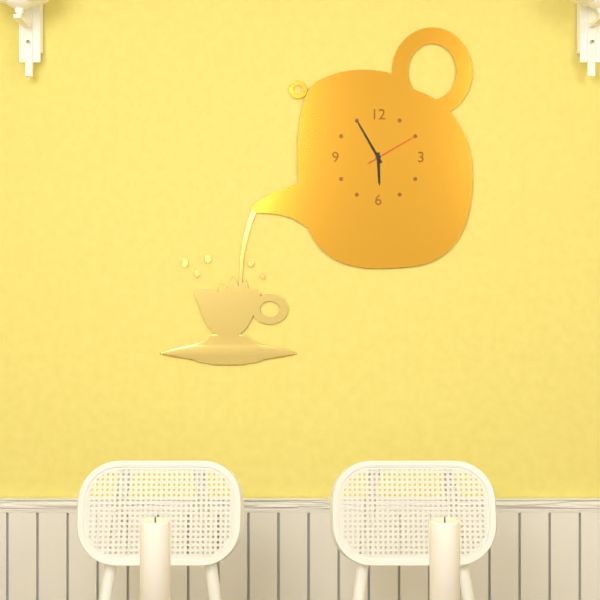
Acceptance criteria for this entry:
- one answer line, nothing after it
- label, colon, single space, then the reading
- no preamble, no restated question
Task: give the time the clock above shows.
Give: 5:55:10
